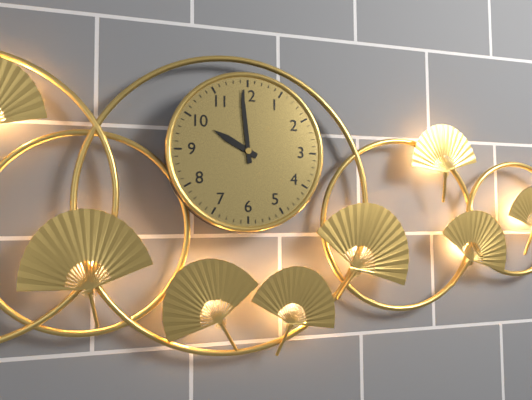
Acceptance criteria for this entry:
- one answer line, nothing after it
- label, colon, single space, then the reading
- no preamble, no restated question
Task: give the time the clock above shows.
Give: 9:59
